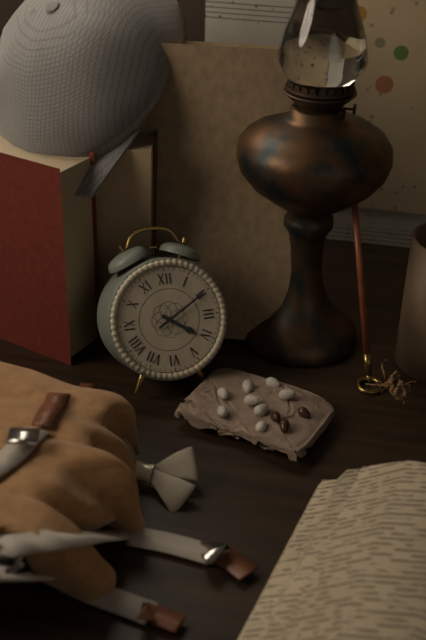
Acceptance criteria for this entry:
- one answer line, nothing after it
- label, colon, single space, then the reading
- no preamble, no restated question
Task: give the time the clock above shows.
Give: 4:10
